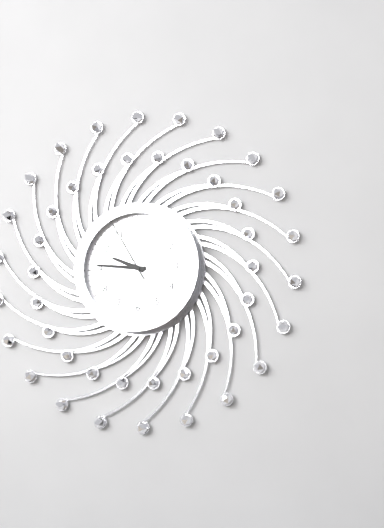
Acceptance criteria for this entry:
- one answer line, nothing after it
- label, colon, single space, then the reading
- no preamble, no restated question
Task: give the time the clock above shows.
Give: 9:46:55
